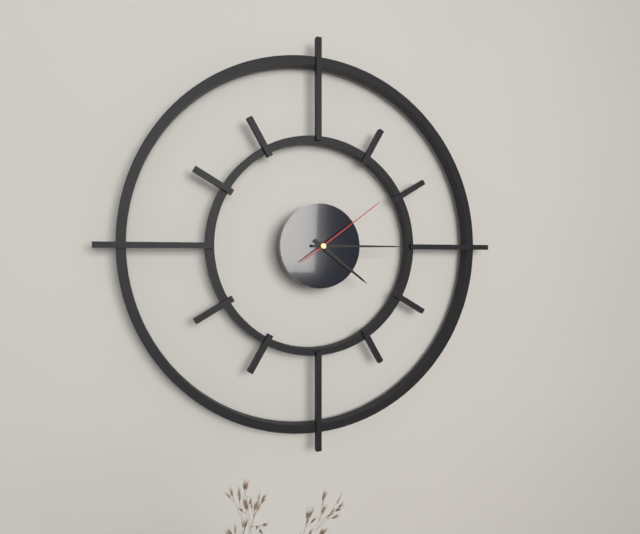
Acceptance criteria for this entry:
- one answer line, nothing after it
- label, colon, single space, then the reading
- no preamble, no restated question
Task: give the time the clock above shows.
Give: 4:15:09
